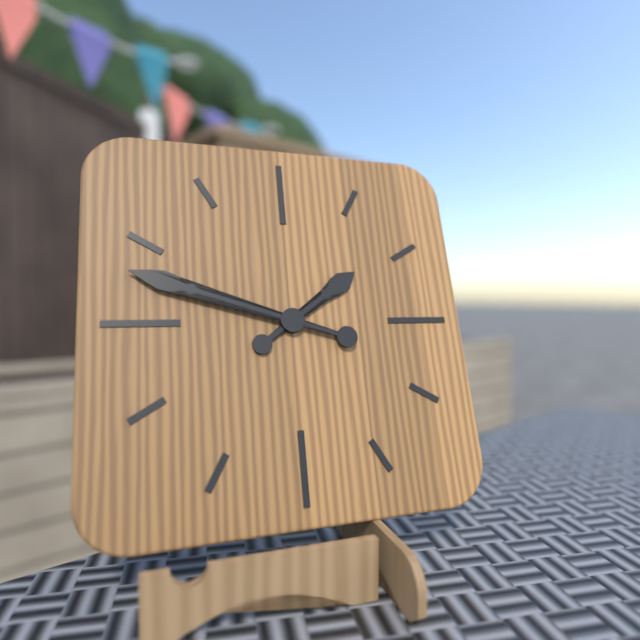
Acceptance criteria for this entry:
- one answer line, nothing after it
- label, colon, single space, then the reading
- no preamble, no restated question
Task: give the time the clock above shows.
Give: 1:48
